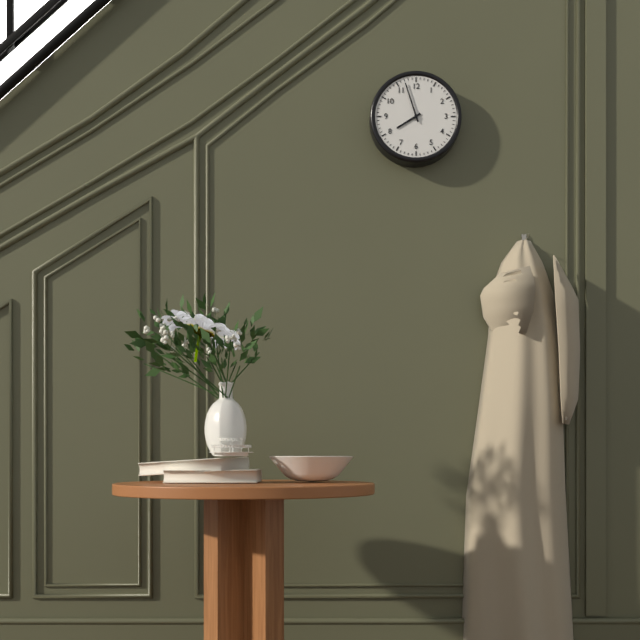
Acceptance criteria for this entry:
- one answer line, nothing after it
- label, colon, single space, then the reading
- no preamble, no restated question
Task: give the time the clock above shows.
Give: 7:57
